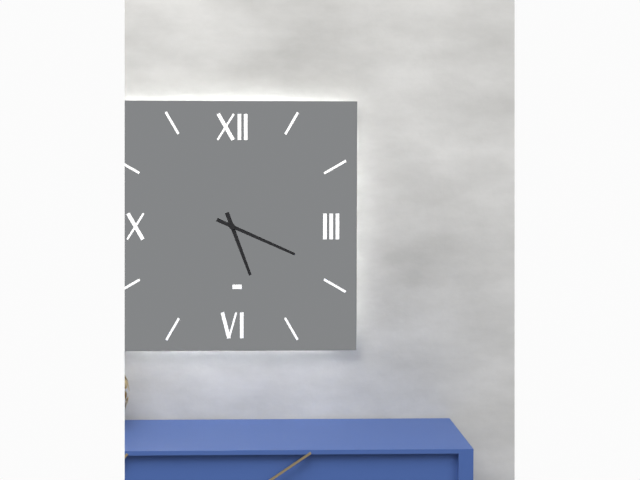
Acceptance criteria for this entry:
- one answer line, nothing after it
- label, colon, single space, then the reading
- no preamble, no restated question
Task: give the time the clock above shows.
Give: 5:19
